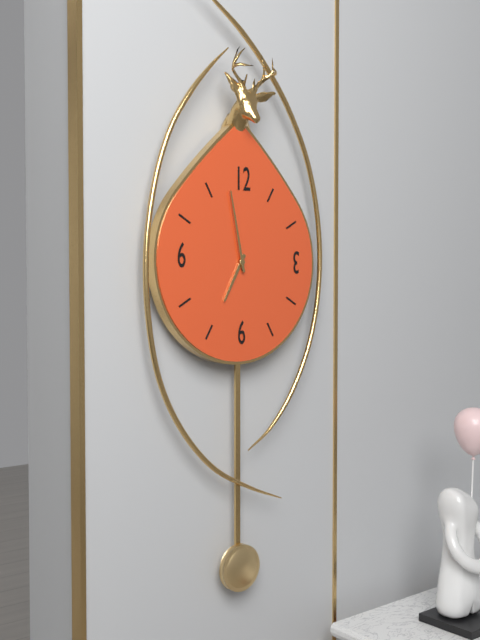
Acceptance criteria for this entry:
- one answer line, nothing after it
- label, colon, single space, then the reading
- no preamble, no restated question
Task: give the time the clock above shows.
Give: 6:58
